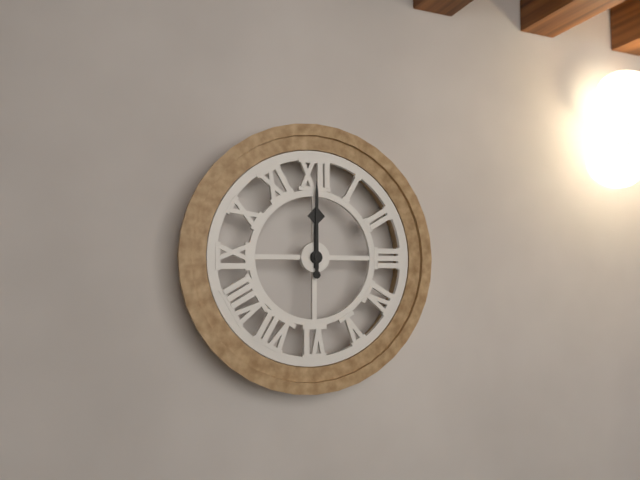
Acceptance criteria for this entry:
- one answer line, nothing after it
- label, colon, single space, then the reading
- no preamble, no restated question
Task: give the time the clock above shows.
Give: 12:00
